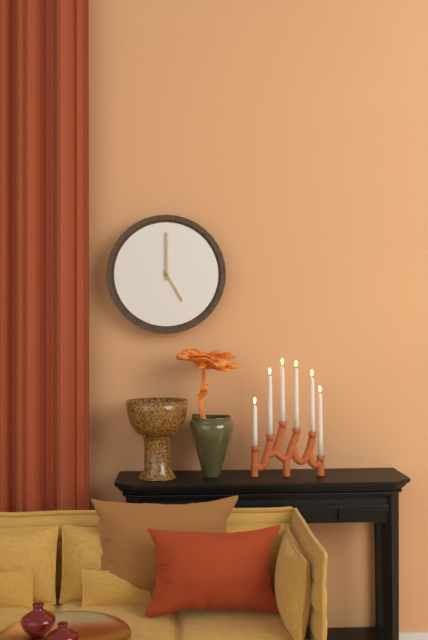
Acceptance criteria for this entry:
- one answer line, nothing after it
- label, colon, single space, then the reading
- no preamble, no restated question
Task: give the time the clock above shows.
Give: 5:00
